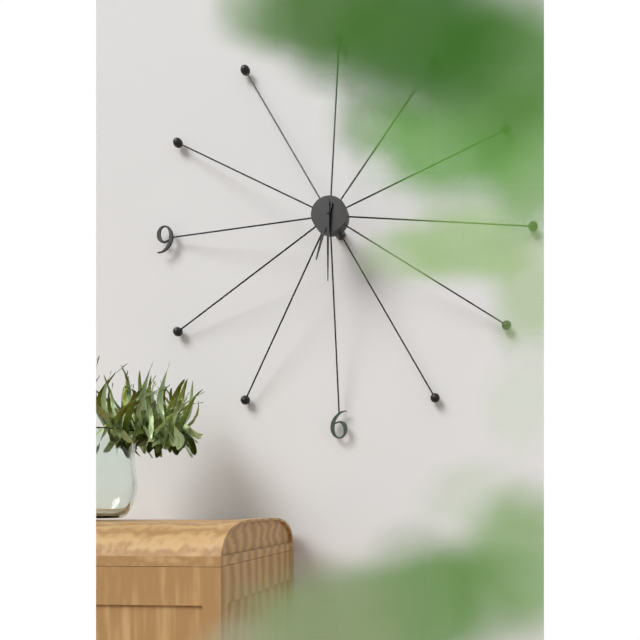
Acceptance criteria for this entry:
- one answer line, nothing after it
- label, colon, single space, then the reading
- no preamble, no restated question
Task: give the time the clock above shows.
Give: 6:30
